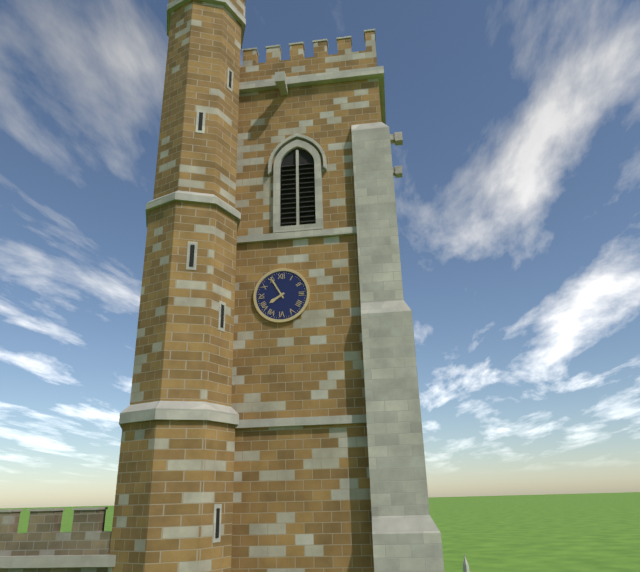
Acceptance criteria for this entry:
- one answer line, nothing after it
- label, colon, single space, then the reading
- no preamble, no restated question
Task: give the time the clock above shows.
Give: 7:55
